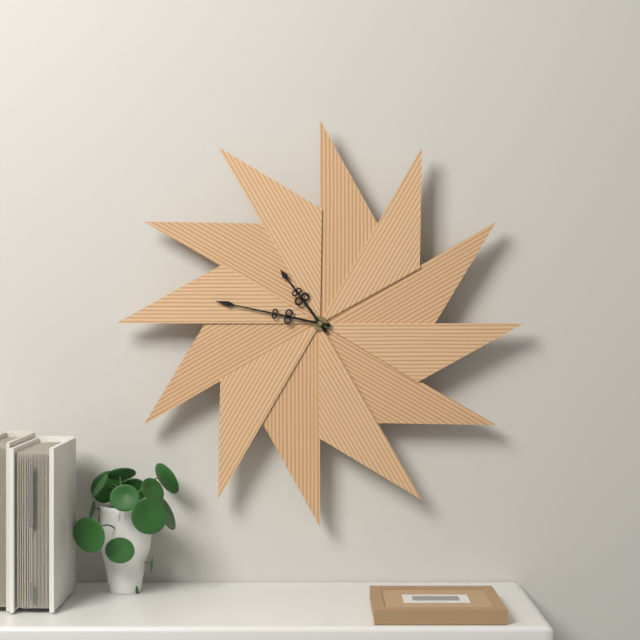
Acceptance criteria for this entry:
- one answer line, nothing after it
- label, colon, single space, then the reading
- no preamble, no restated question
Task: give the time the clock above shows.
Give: 10:47
